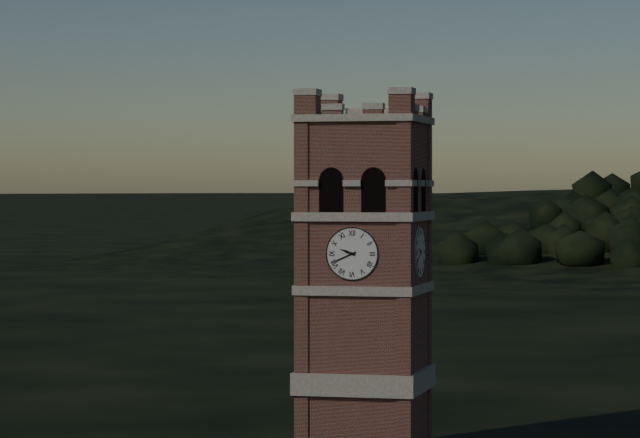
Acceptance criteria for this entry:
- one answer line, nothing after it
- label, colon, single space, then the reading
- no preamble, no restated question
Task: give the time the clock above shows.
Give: 9:41
